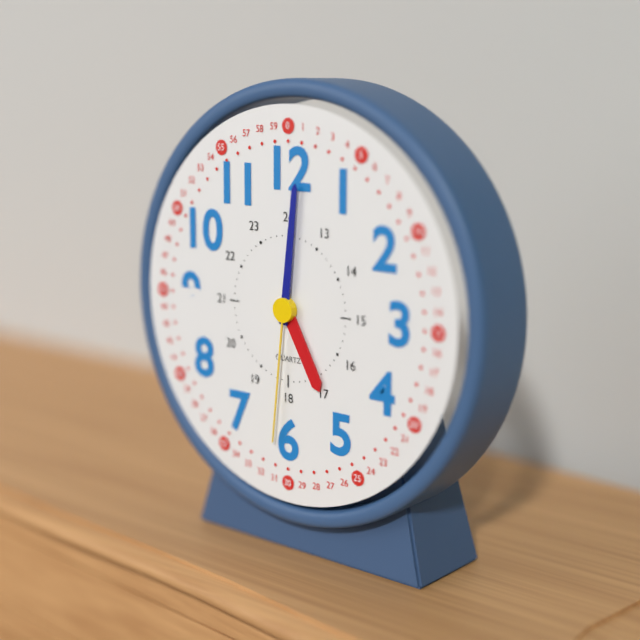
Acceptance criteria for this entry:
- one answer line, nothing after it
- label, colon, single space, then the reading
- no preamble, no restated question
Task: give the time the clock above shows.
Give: 5:01:31
